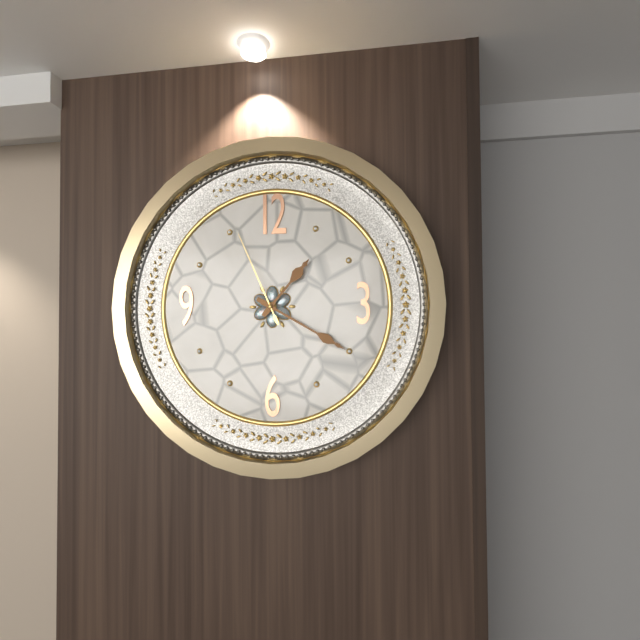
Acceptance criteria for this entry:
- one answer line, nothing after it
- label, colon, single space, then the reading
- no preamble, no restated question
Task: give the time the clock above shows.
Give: 1:20:56
